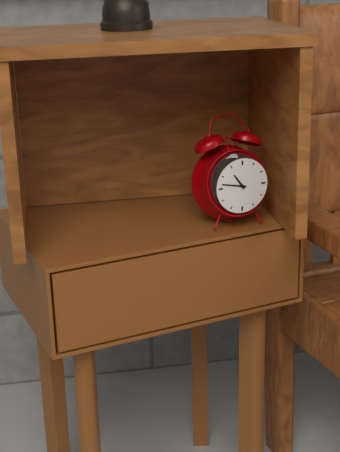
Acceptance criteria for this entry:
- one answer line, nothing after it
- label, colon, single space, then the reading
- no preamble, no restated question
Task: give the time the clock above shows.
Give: 10:47
